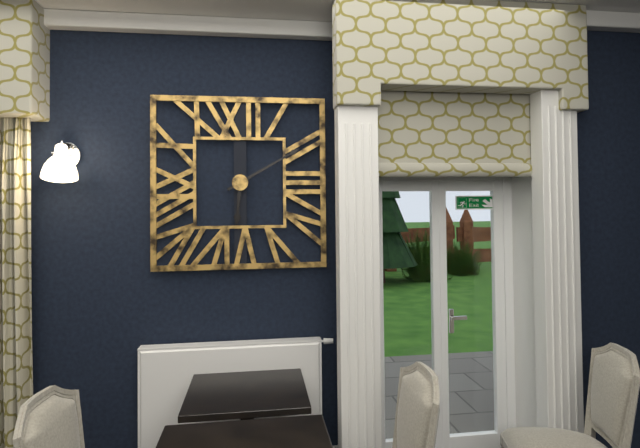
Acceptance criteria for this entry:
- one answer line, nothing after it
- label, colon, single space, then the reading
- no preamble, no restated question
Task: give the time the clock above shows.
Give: 6:10
